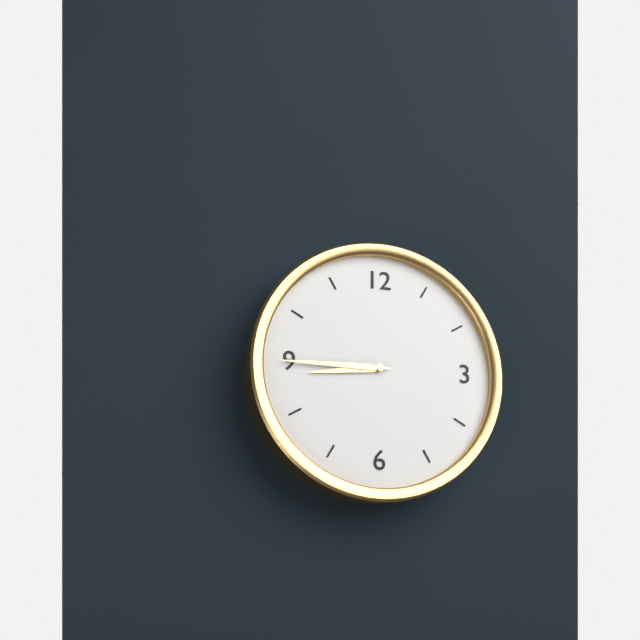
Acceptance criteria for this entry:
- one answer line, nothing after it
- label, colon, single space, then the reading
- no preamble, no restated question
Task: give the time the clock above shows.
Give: 8:45
